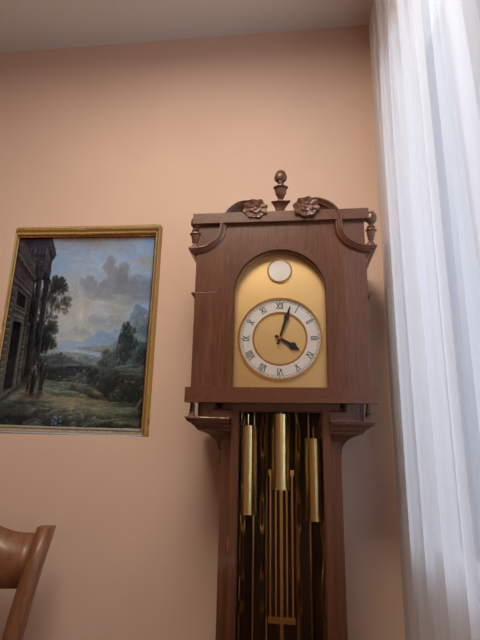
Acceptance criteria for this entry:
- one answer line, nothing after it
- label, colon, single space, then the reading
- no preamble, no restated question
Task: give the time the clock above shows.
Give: 4:03
